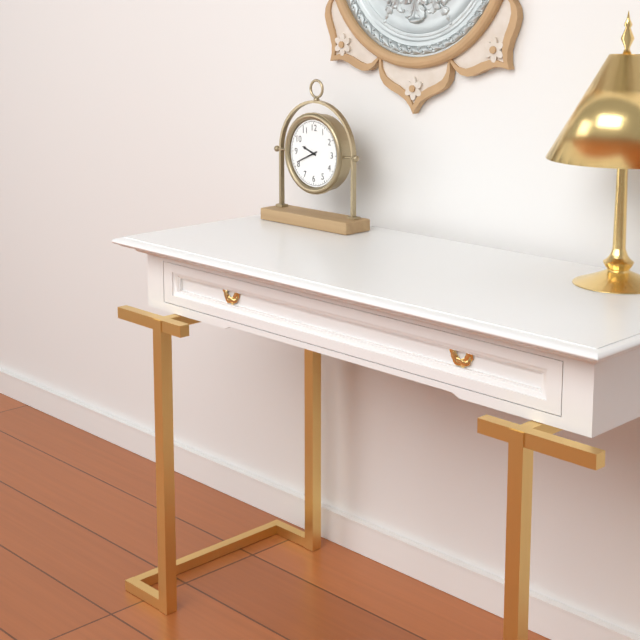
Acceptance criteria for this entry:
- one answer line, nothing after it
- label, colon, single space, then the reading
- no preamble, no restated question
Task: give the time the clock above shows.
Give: 9:41
